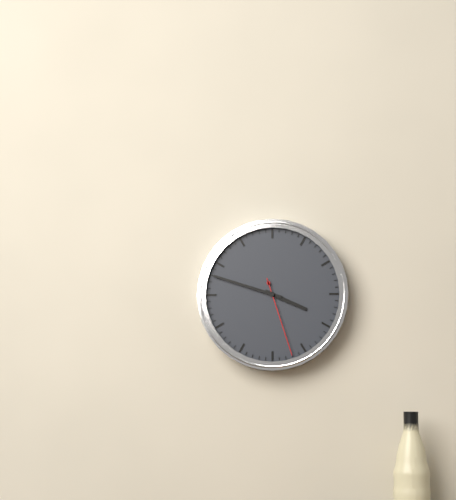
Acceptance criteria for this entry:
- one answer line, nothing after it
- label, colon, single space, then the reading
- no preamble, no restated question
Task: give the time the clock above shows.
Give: 3:48:27
